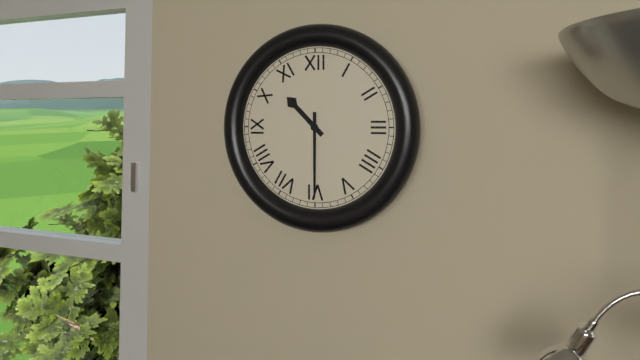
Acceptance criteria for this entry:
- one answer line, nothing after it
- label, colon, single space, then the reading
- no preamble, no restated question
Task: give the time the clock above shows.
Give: 10:30
